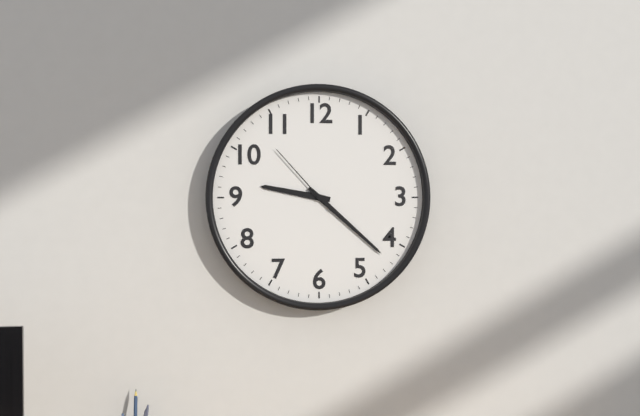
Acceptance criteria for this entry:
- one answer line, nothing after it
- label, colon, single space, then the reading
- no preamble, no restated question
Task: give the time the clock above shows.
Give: 9:22:53
